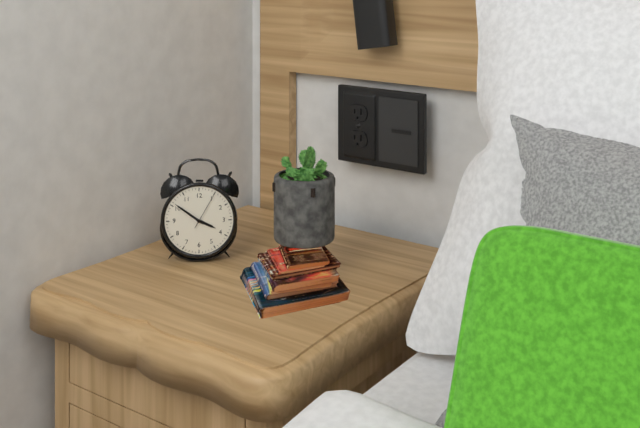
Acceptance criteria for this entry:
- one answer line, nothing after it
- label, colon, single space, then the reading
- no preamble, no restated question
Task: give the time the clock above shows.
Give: 3:51
